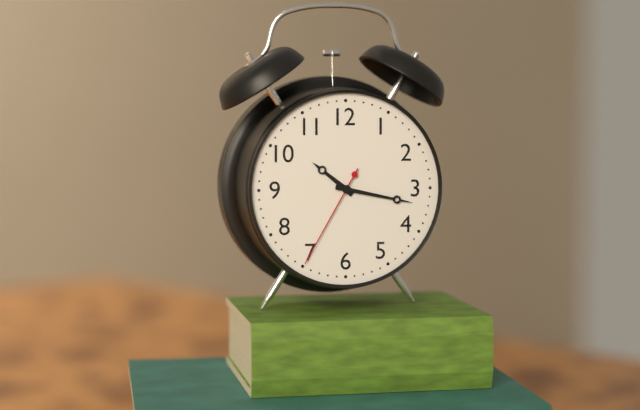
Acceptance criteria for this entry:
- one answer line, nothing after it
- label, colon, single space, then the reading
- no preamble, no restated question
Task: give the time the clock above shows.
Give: 10:17:35
